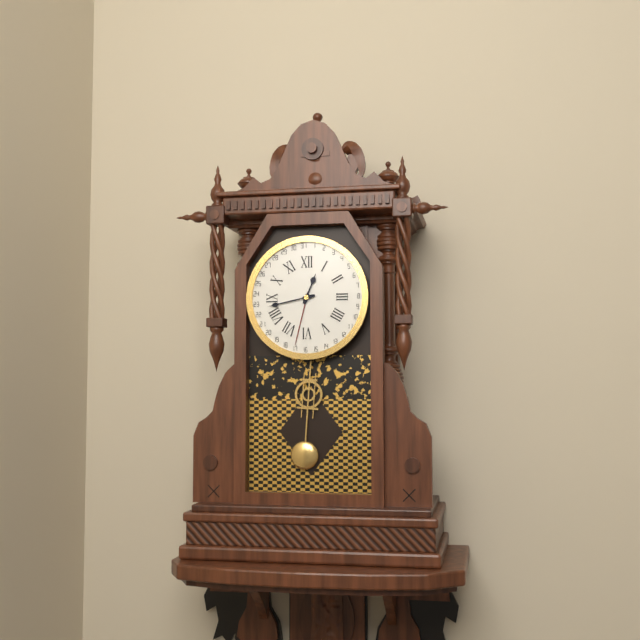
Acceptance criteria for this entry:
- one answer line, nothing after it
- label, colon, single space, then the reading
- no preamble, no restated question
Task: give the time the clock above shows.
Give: 12:43
